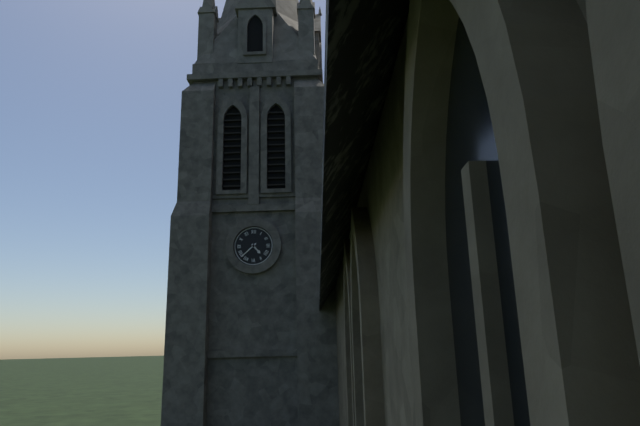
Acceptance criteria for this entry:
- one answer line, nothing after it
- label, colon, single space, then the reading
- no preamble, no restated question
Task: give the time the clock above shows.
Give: 4:38
